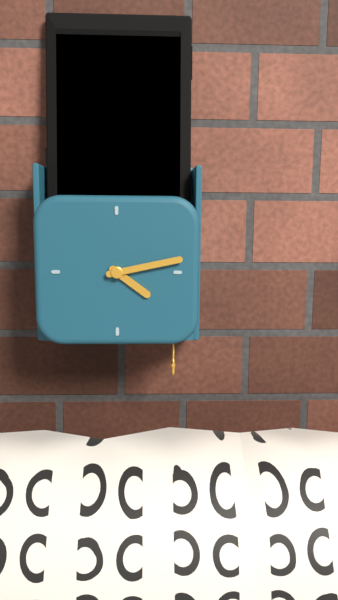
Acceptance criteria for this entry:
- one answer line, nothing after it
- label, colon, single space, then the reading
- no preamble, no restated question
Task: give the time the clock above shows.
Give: 4:13
